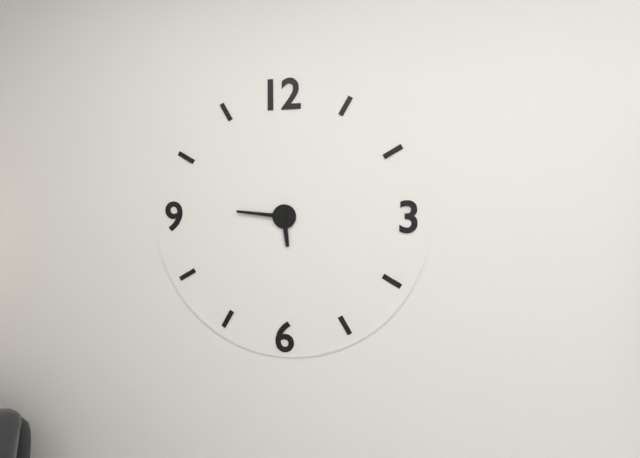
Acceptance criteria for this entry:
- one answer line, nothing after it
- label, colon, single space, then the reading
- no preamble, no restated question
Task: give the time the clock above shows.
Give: 5:46
